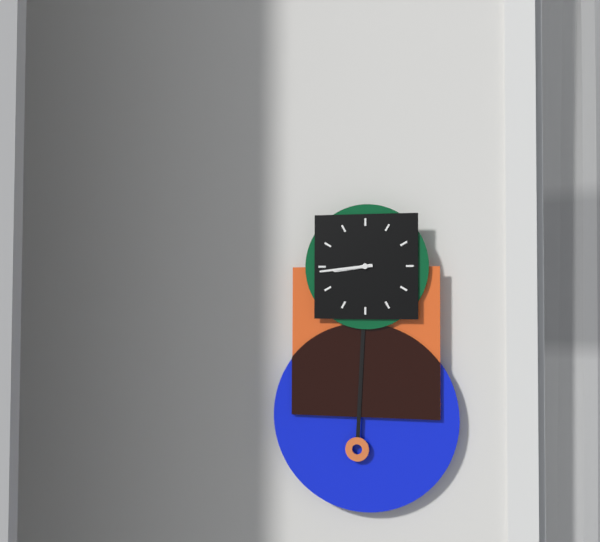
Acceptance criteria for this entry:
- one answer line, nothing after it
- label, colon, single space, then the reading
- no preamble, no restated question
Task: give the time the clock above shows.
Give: 8:44
